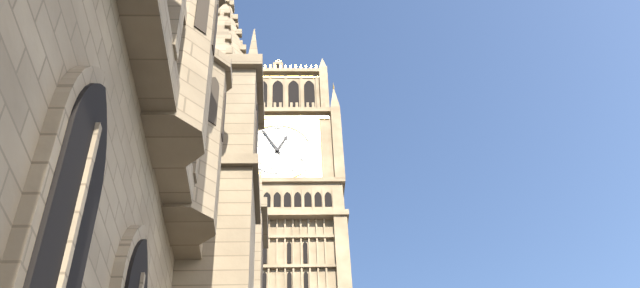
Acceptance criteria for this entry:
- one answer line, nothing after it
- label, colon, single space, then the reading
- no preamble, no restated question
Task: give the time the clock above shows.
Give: 12:55
